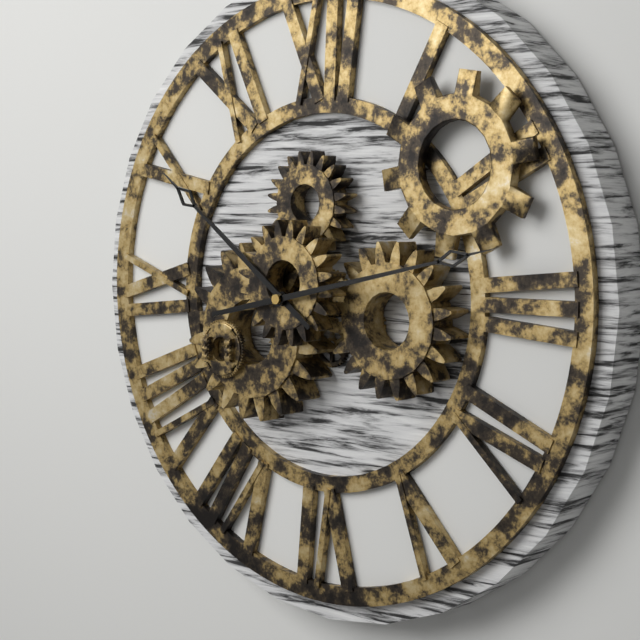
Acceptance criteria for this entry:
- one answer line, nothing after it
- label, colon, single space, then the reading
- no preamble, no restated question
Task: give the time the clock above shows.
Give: 10:13
